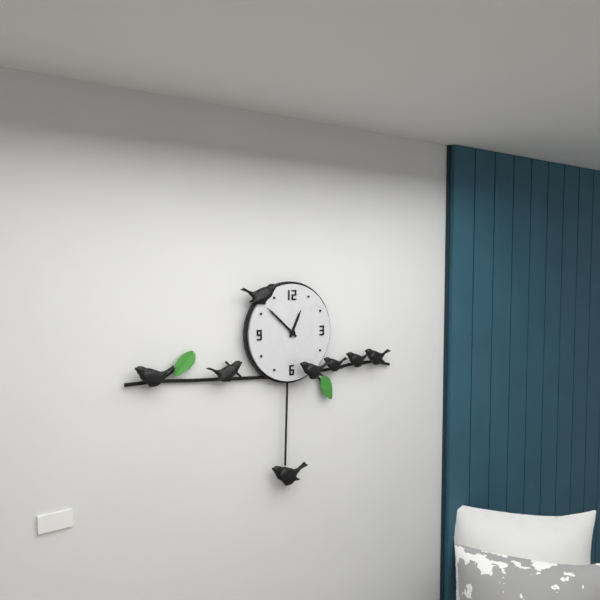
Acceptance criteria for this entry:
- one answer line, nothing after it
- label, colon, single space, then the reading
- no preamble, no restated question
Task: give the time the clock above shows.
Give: 12:52
